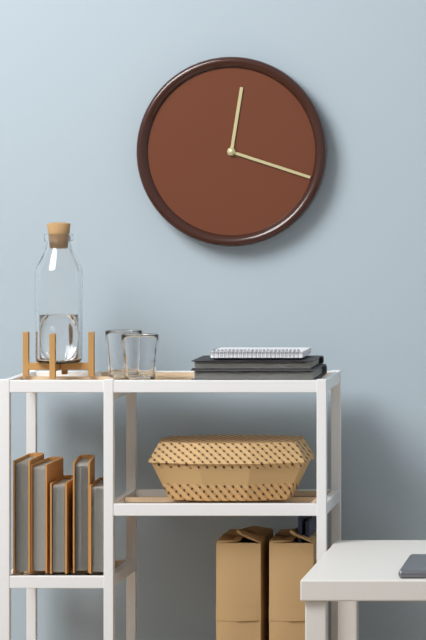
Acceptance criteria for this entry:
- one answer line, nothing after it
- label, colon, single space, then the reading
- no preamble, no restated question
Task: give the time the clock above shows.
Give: 12:18
